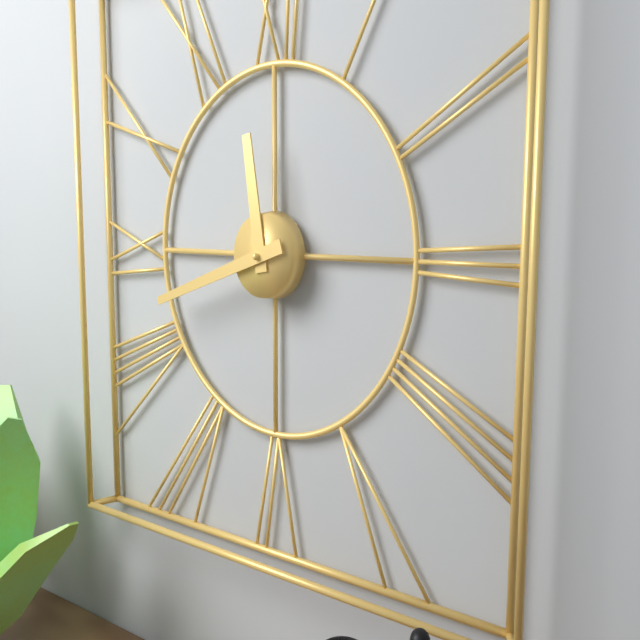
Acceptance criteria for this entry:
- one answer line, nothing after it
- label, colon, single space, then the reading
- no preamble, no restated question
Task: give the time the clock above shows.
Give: 11:42
